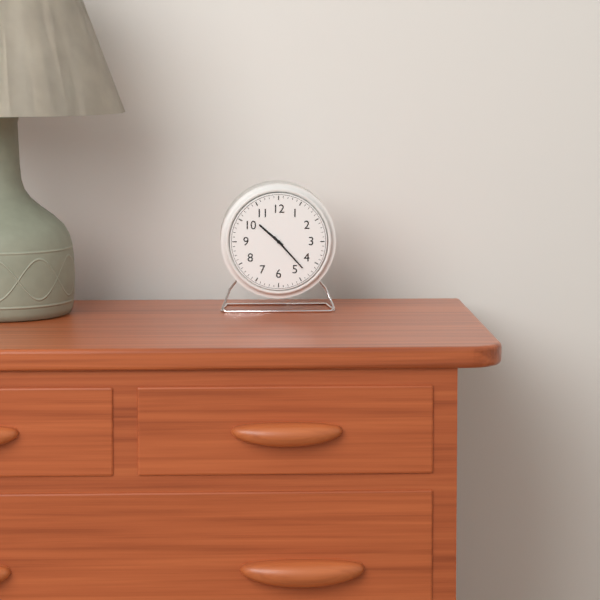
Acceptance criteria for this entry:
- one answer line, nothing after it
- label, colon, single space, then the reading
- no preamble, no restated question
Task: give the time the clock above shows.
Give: 10:23
